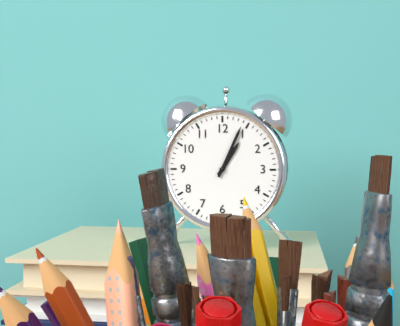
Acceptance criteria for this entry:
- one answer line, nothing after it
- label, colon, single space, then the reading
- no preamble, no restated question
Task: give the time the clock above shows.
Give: 1:04
